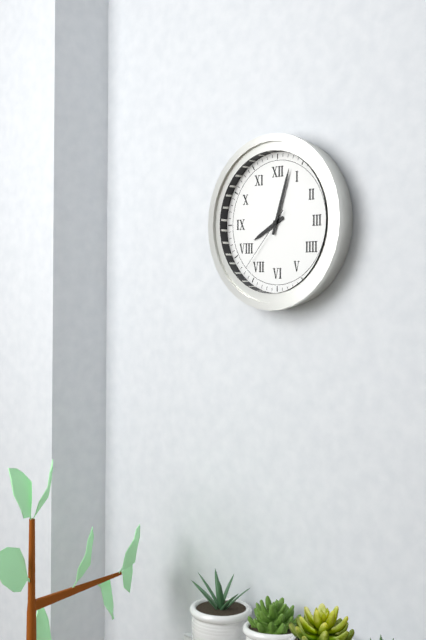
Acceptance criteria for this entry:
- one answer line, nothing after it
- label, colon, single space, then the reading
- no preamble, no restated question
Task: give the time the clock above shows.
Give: 8:03:37
